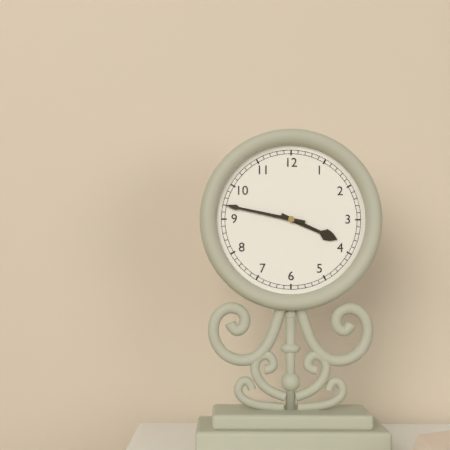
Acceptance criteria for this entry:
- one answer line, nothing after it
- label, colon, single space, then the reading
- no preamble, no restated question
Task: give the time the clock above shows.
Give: 3:47
